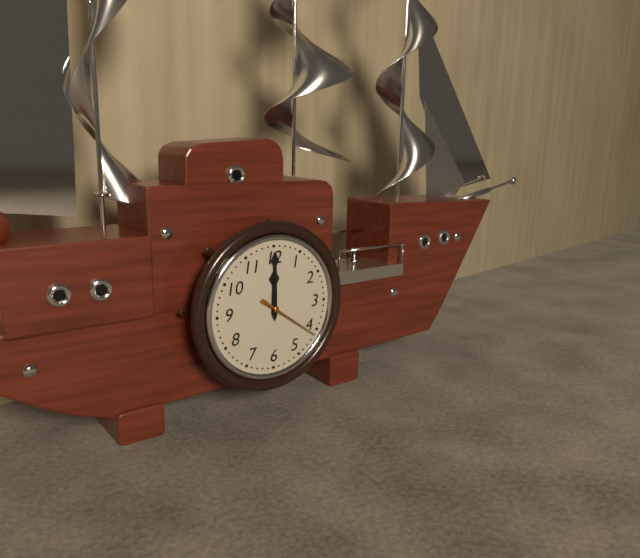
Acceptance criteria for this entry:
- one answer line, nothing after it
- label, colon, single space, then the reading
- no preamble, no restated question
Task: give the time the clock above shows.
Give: 12:00:21
